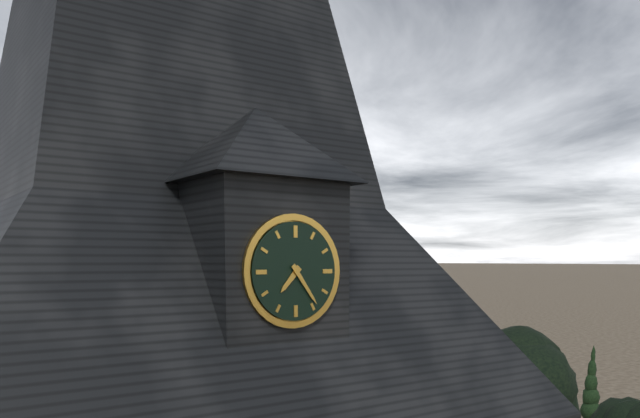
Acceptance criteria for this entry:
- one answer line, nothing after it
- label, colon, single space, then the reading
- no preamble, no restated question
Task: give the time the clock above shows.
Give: 7:24
